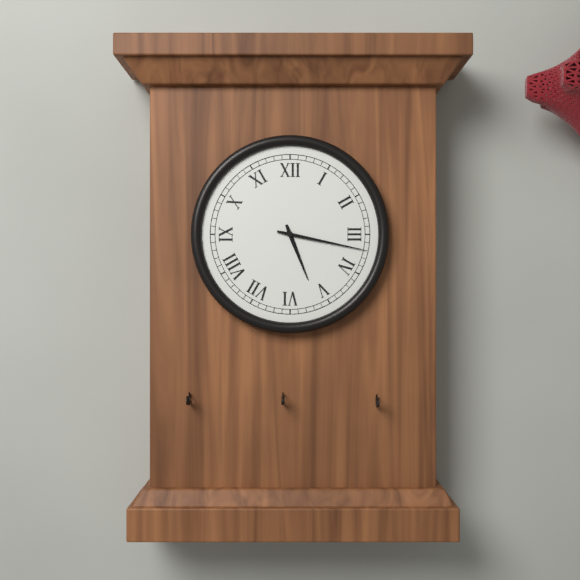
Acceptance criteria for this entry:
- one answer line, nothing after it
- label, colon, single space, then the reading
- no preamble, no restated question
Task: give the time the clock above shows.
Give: 5:17
